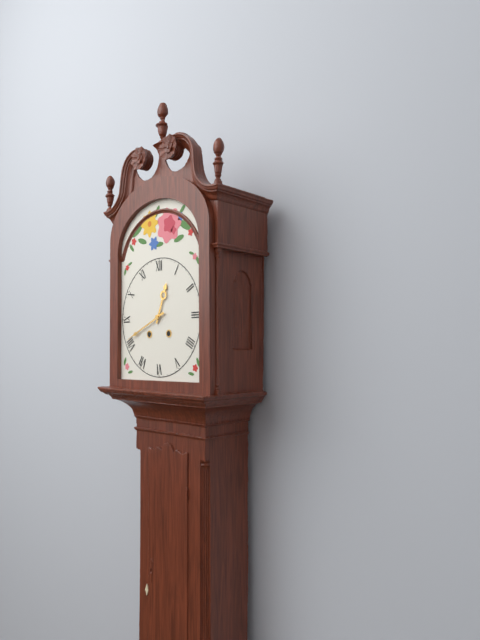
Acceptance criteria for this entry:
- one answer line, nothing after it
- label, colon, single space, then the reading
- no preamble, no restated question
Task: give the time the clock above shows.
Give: 12:41
